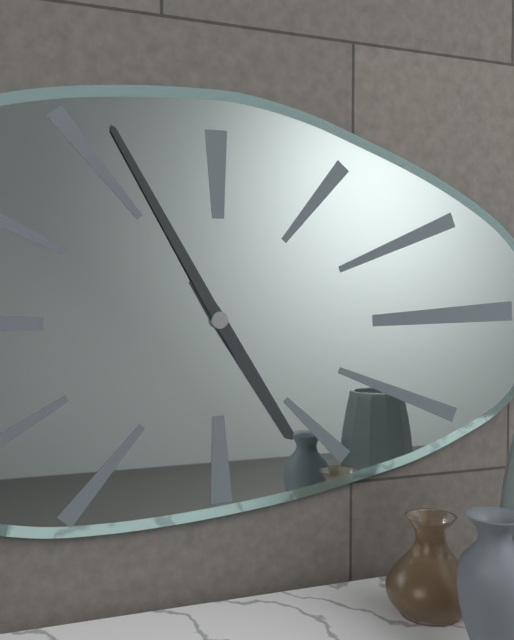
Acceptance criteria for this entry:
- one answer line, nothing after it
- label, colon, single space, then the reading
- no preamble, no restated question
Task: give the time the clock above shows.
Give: 4:55
